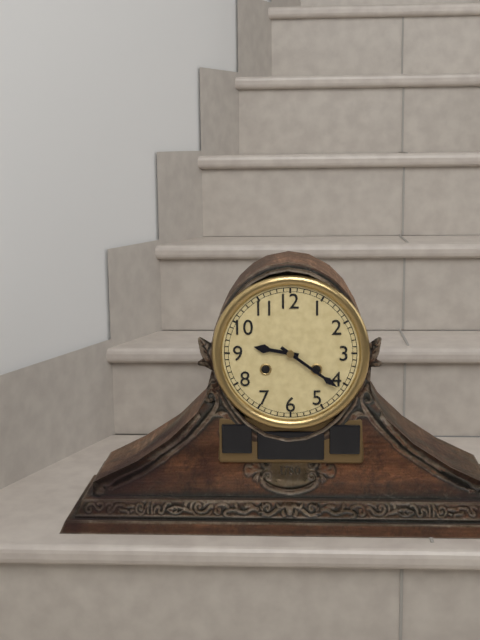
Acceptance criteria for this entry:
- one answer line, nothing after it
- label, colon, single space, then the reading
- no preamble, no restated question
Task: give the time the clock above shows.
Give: 9:21
